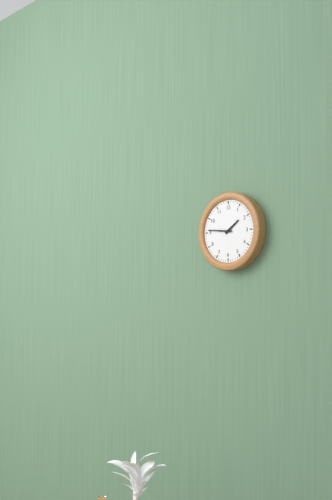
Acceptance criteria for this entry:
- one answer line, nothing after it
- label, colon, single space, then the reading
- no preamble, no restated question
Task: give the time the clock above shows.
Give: 1:46
